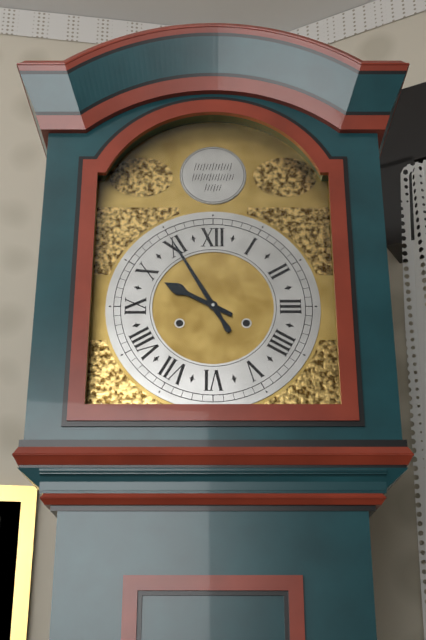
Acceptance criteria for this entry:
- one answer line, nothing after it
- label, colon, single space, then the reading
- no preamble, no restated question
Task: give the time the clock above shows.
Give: 9:55
